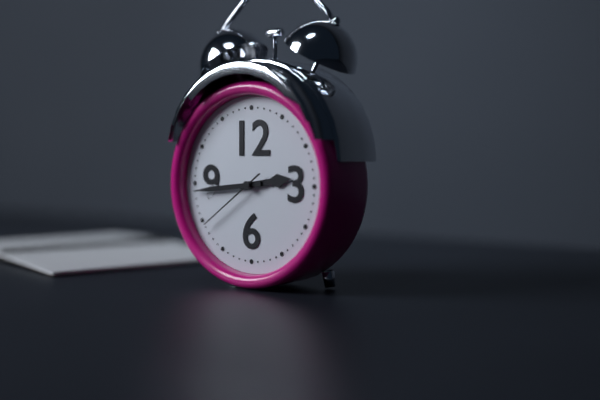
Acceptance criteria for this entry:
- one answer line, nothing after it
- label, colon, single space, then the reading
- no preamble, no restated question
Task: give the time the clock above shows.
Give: 2:44:39
